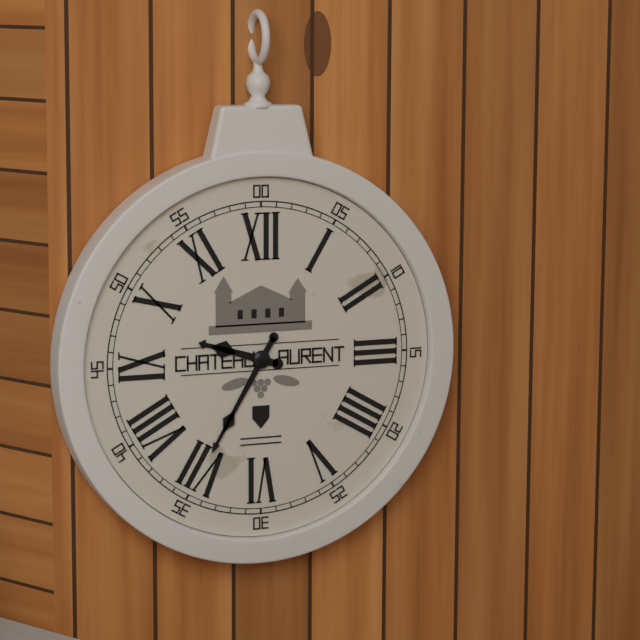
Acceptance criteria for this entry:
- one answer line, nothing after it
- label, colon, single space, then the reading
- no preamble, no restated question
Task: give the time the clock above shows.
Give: 9:35
